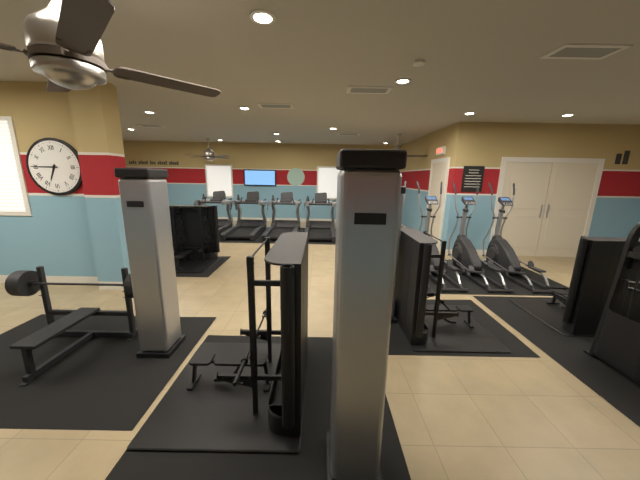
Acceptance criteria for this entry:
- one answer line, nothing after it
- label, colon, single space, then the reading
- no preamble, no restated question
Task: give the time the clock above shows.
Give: 6:45
